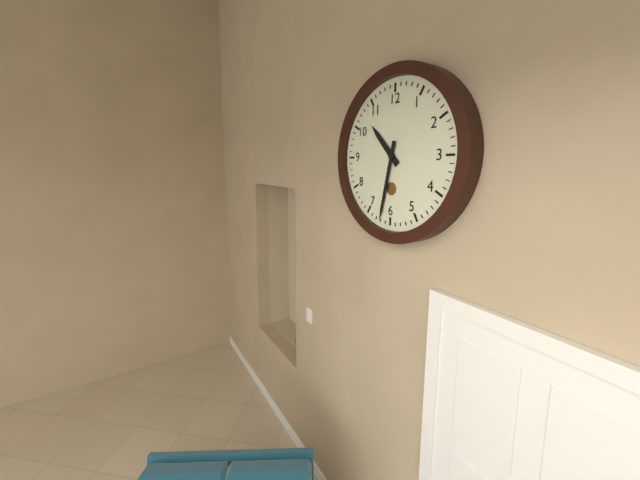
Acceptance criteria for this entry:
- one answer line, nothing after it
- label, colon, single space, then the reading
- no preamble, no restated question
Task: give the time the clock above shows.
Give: 10:32
